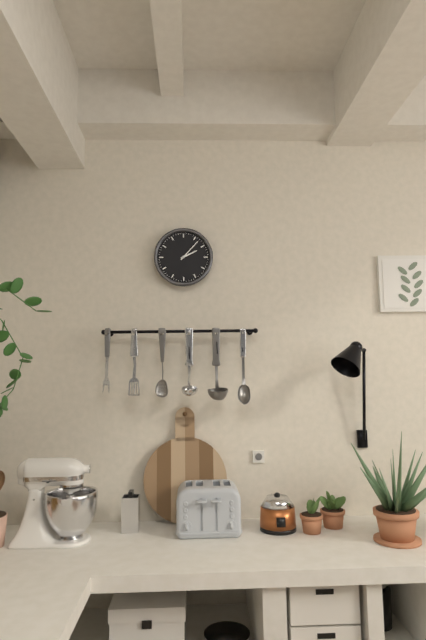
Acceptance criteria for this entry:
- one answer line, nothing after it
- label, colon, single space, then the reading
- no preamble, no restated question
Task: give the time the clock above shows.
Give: 2:07
